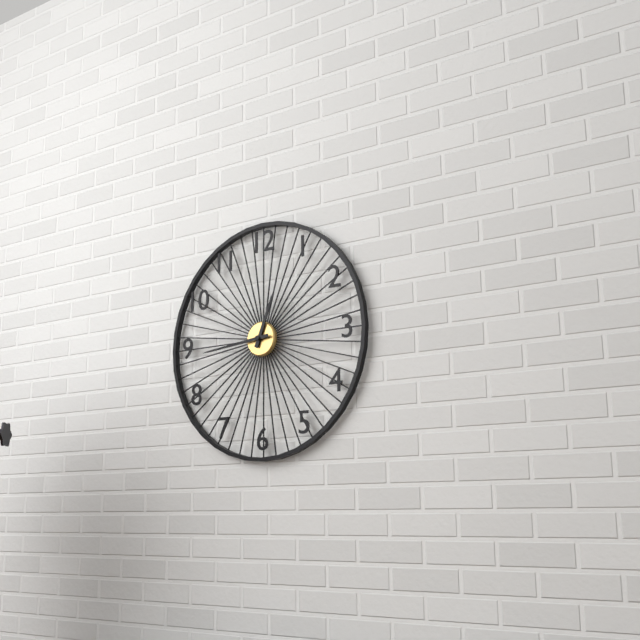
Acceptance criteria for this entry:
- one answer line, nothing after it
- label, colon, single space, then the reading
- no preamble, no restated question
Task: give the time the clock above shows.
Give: 12:44
